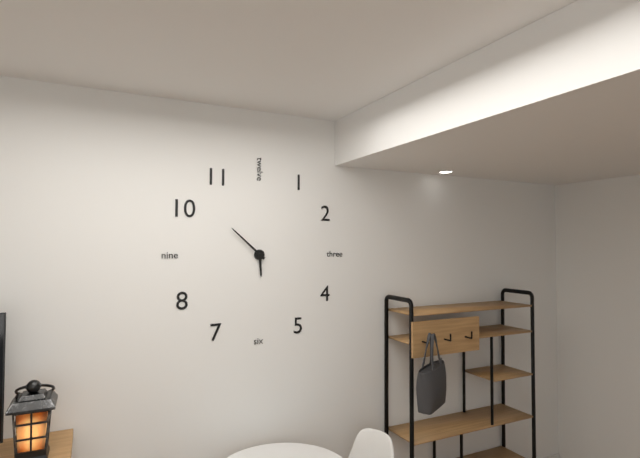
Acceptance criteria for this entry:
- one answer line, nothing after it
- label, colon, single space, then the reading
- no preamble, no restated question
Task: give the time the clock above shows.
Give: 5:52
